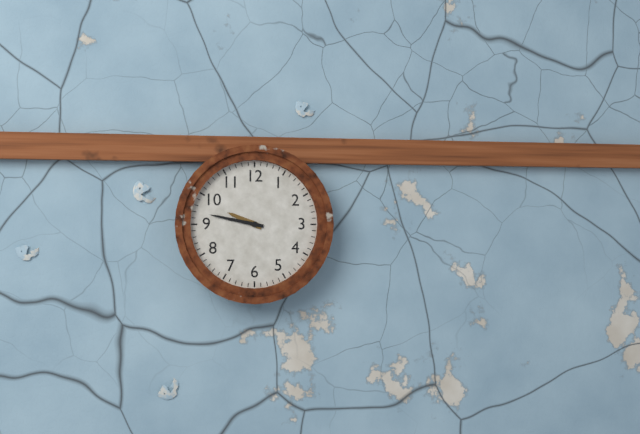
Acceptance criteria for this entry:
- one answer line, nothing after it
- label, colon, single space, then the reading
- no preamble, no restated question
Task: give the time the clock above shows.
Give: 9:47
